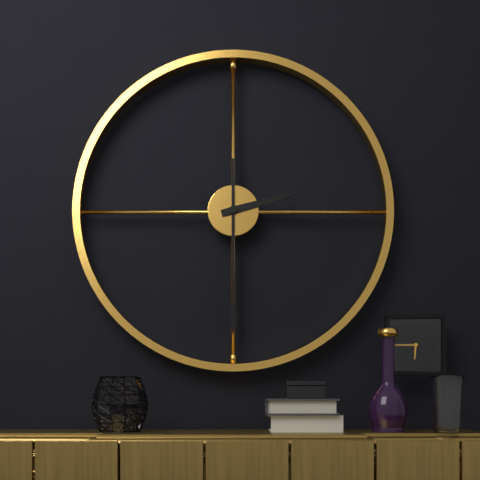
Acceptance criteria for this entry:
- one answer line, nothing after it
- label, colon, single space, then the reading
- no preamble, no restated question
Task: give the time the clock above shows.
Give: 2:30
